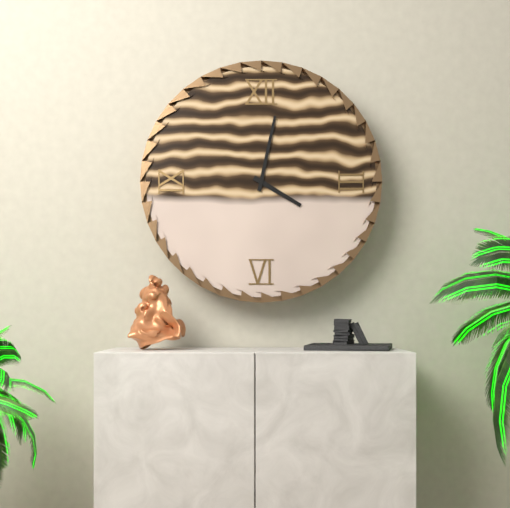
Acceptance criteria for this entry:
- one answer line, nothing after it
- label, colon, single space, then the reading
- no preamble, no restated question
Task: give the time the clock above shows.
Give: 4:02
